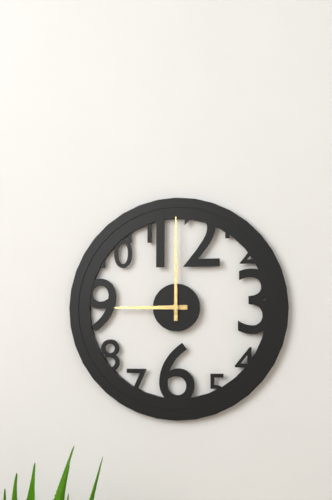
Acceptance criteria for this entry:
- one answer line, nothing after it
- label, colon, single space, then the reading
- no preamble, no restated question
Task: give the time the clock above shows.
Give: 9:00
